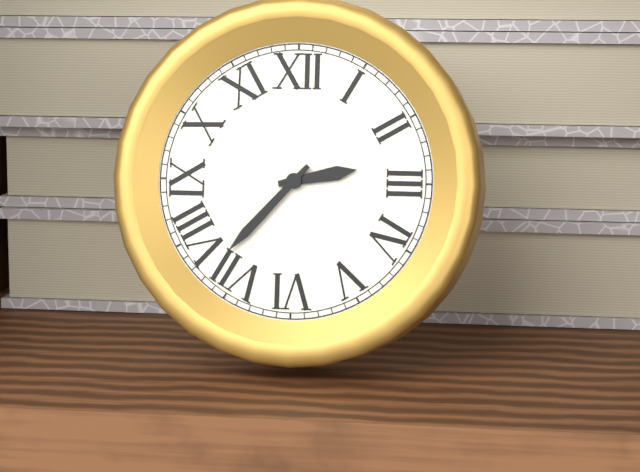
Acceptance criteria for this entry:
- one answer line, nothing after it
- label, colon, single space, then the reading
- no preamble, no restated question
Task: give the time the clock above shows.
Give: 2:37
